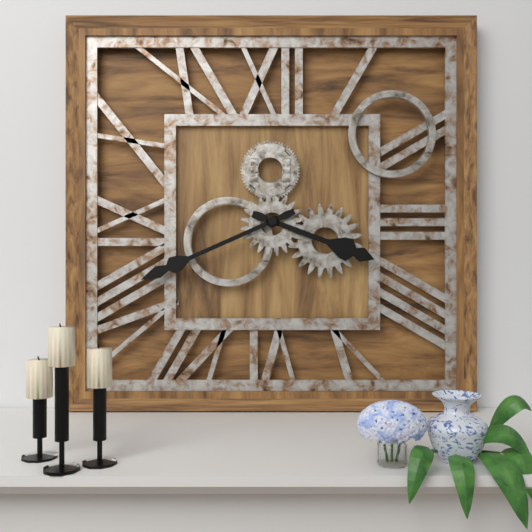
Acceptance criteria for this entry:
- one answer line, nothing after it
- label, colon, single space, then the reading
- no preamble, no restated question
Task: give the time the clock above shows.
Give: 3:41
